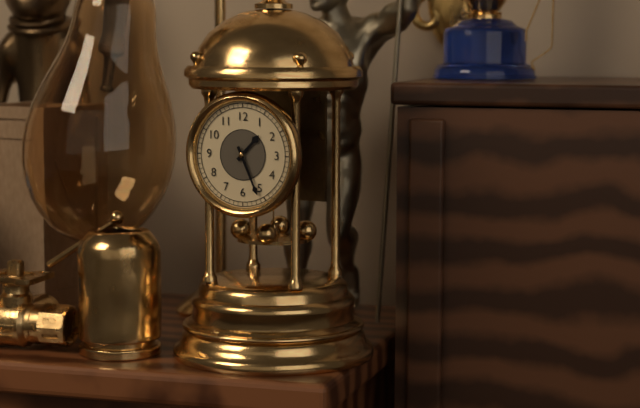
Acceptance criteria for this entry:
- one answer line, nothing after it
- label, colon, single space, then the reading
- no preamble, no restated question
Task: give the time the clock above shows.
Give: 1:26
